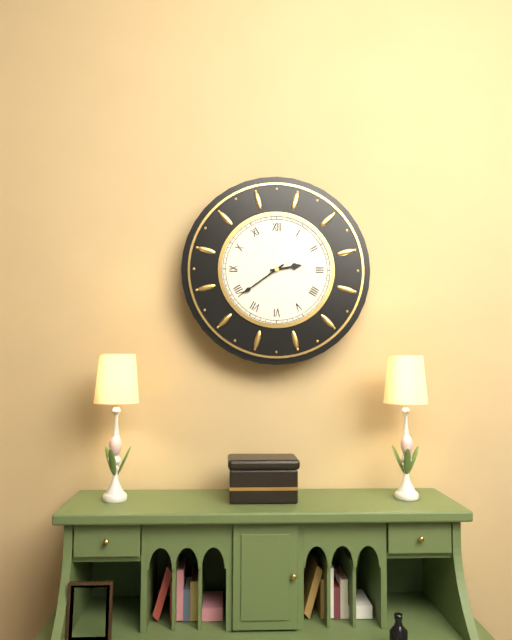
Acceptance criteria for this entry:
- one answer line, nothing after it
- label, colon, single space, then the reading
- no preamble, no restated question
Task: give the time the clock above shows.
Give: 2:39
